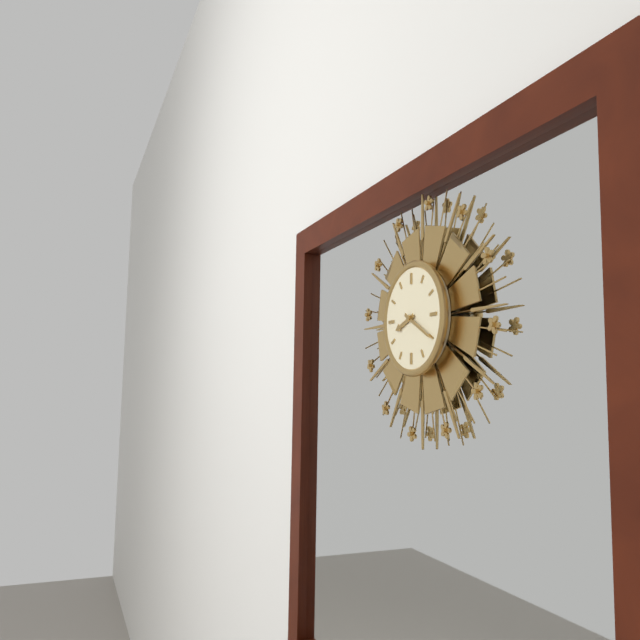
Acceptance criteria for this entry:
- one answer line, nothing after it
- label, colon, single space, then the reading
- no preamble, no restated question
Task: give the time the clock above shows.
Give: 8:20
